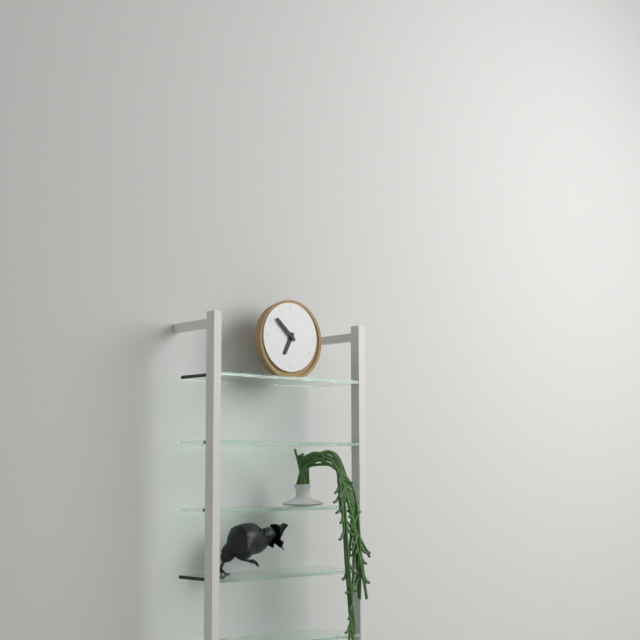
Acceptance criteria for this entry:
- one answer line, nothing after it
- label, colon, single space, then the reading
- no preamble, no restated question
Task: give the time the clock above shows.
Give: 6:52
